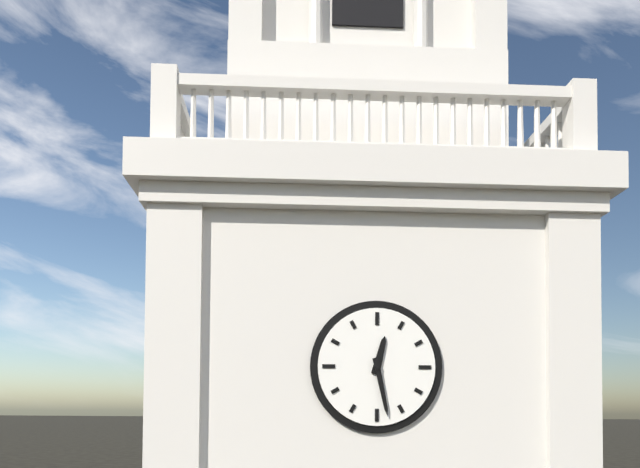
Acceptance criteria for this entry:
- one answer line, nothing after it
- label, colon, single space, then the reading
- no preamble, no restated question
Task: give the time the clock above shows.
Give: 12:28
